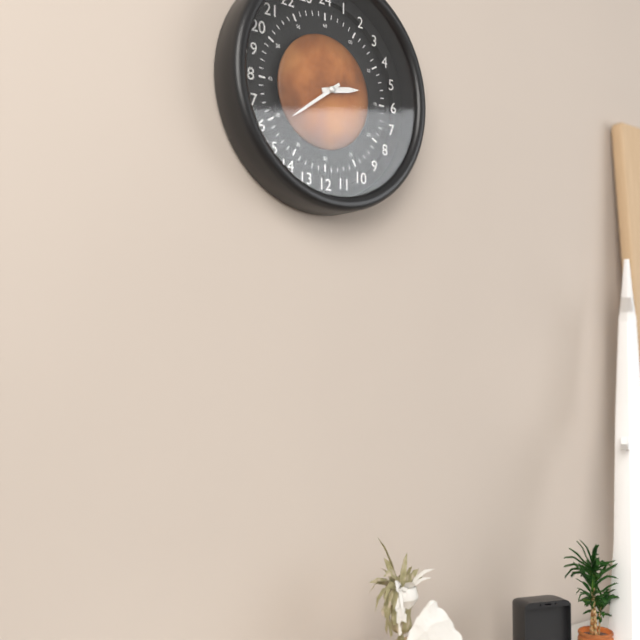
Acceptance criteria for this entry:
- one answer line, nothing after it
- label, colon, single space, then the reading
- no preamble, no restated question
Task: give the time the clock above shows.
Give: 2:39
